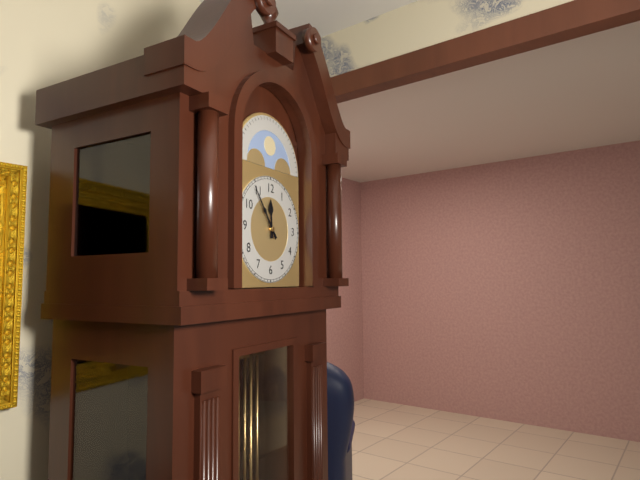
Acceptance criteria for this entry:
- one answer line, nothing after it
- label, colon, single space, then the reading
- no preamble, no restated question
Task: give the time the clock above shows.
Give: 11:54
